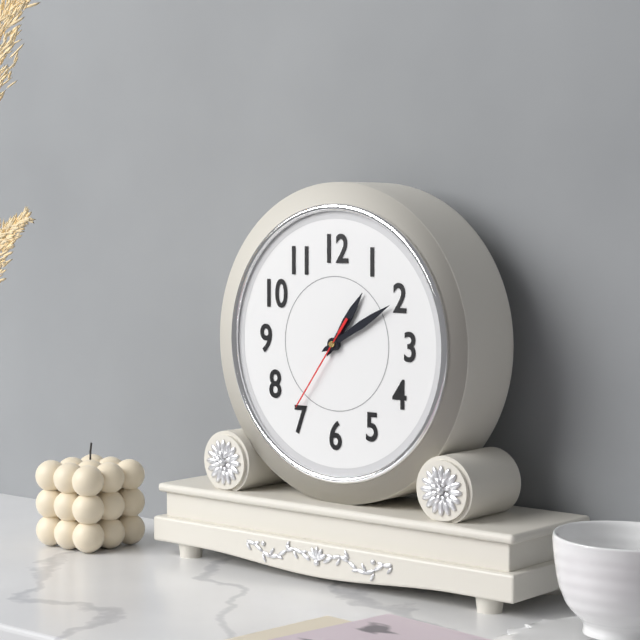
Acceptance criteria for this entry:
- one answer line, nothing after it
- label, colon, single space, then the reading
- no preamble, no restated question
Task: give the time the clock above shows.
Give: 1:10:36
